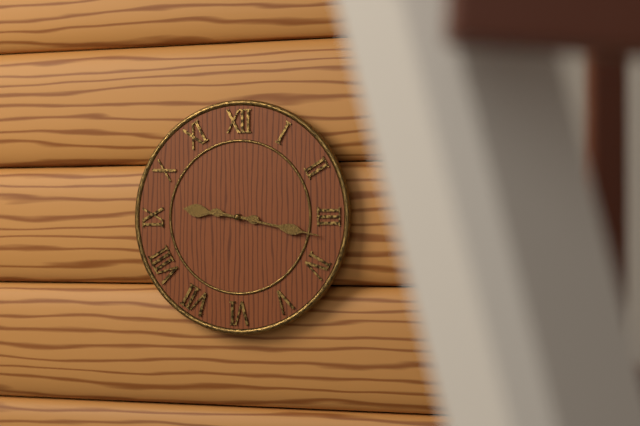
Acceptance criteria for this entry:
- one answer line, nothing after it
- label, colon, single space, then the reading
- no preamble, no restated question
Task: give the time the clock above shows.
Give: 9:17
